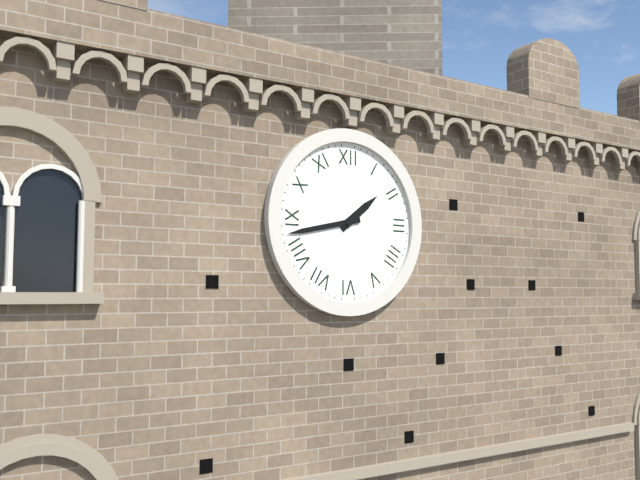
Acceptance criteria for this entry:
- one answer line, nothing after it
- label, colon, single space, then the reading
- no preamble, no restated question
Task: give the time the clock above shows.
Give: 1:43
